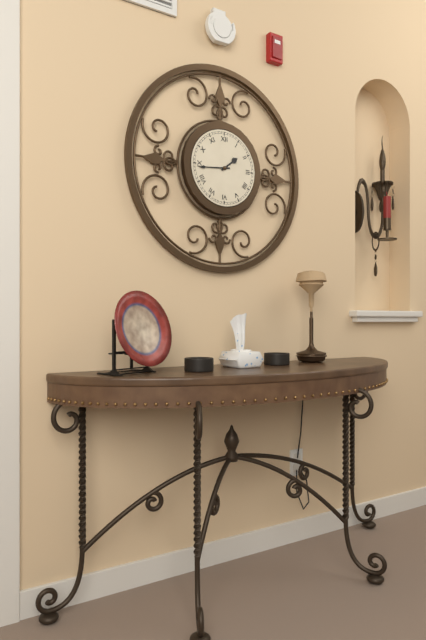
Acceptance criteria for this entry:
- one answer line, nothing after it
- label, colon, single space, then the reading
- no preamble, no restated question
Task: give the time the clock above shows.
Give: 1:44
